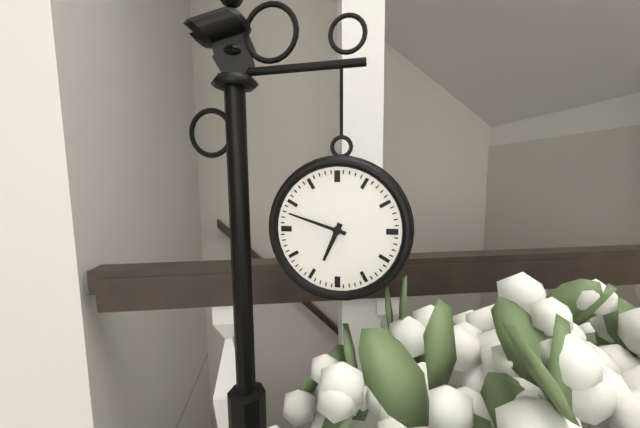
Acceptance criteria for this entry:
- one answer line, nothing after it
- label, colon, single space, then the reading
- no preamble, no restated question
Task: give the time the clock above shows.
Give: 6:48
